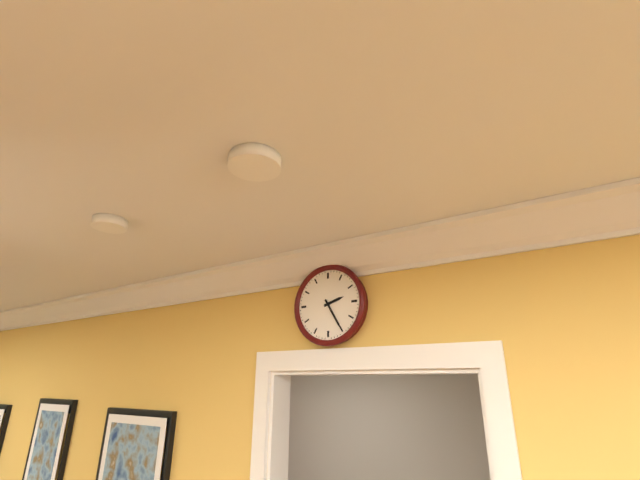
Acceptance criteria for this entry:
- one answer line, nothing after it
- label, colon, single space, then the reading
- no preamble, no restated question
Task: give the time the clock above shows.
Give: 2:25
